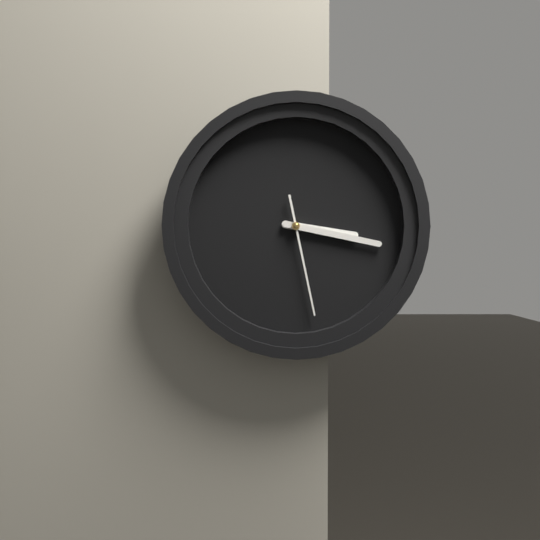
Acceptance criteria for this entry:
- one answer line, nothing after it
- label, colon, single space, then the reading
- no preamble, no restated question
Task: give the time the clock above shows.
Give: 3:17:28
